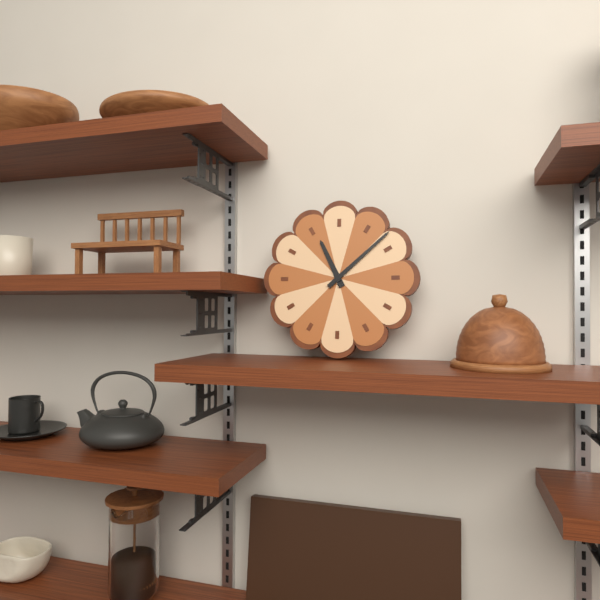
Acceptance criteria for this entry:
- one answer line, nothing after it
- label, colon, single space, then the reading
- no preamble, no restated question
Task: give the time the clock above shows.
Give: 11:08
